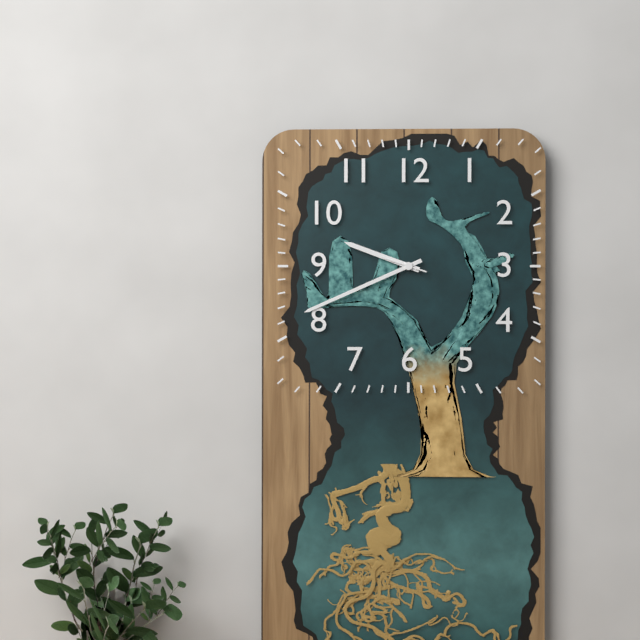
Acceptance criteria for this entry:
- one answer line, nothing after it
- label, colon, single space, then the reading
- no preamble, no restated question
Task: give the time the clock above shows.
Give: 9:41
